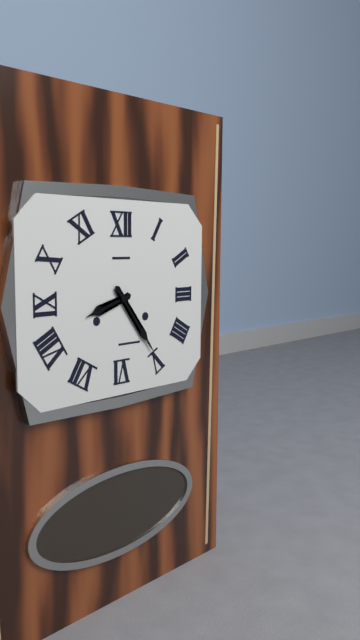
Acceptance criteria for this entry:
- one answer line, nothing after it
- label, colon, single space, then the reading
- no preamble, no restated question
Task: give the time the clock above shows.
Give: 8:24
